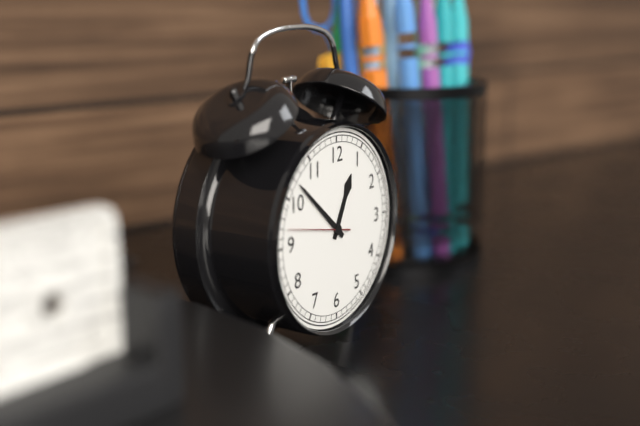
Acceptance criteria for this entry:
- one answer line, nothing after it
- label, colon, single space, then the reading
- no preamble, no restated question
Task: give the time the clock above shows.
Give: 12:52:47
